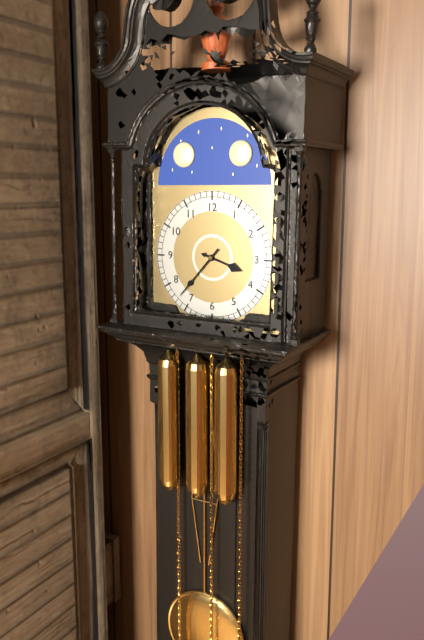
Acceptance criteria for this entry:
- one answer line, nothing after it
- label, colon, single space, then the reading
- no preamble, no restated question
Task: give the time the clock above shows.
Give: 3:37
